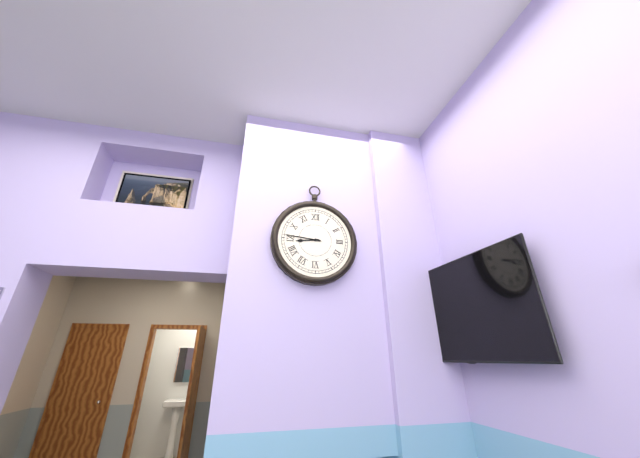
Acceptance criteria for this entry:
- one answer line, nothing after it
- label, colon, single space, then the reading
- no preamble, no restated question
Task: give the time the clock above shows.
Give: 8:46
